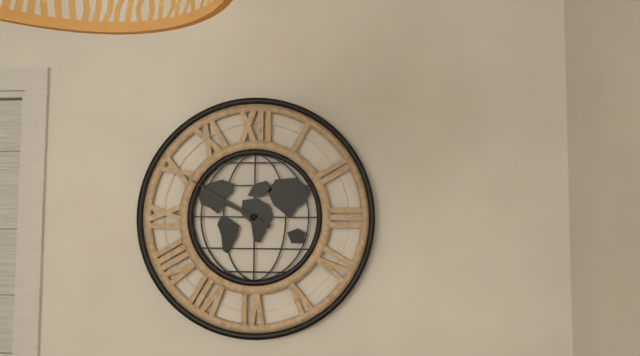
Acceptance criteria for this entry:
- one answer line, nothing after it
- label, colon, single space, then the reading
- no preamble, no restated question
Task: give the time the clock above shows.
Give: 9:50
